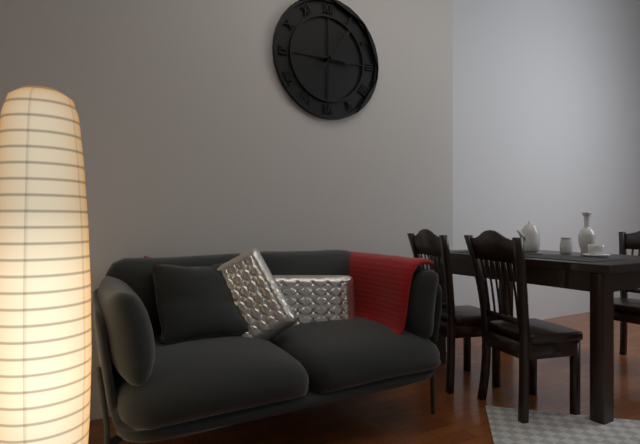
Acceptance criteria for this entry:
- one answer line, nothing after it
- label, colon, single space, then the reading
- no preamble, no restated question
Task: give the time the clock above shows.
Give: 3:06
